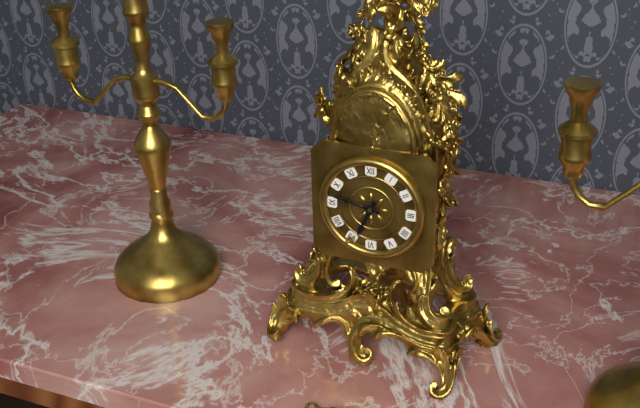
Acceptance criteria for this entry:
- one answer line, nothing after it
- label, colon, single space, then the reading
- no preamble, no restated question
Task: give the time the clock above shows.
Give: 6:47
